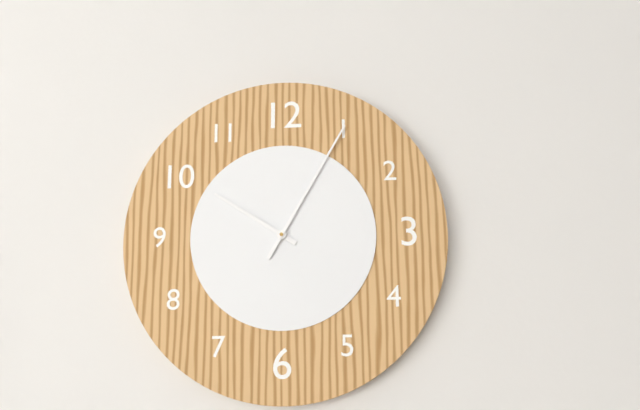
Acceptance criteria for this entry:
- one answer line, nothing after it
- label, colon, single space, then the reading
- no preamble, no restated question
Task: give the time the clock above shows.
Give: 10:05
